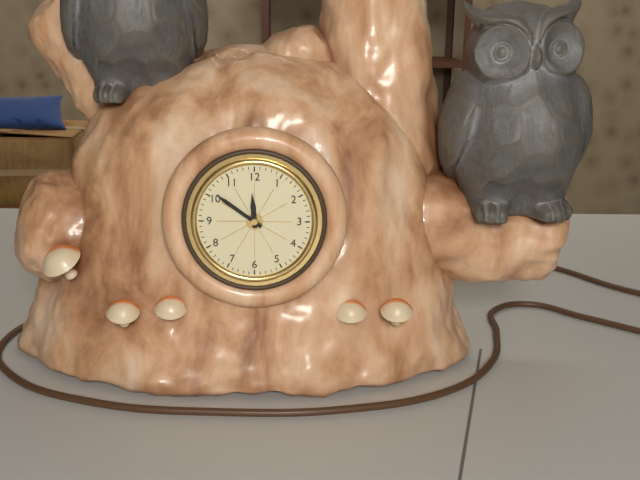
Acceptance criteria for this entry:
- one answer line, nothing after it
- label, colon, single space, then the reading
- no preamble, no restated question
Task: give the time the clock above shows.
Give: 11:51
